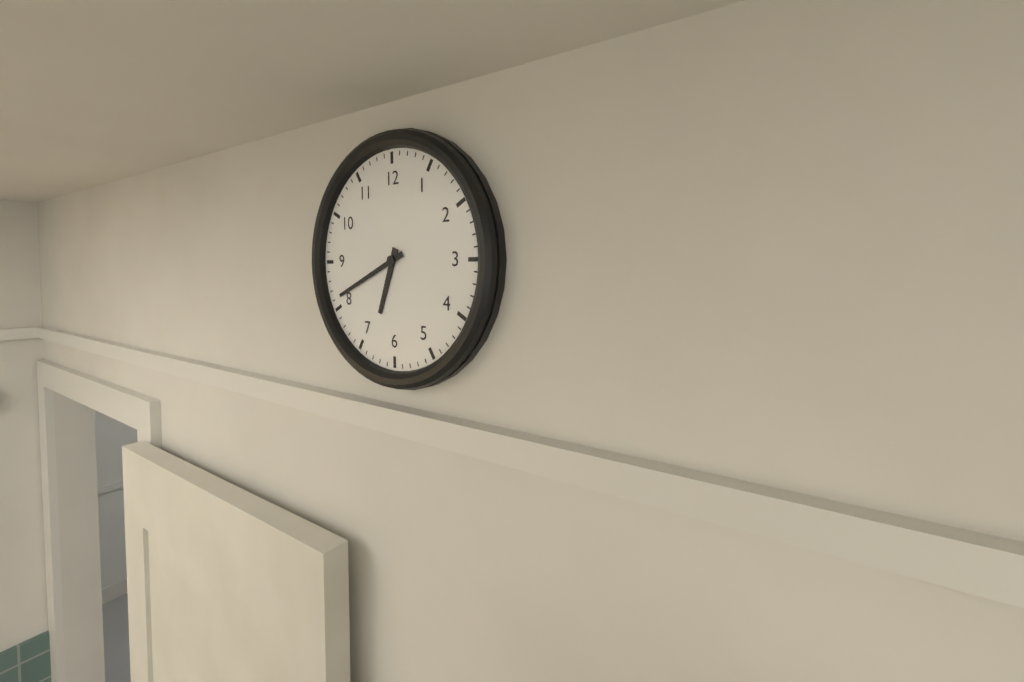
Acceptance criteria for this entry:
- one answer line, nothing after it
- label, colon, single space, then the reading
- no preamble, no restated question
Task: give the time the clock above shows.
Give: 6:41
